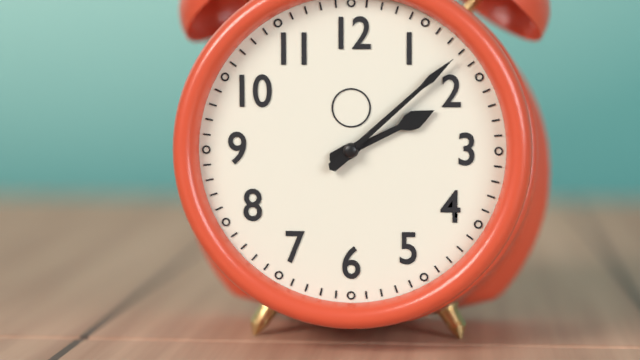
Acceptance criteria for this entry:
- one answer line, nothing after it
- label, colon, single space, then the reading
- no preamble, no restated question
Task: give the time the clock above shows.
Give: 2:08
